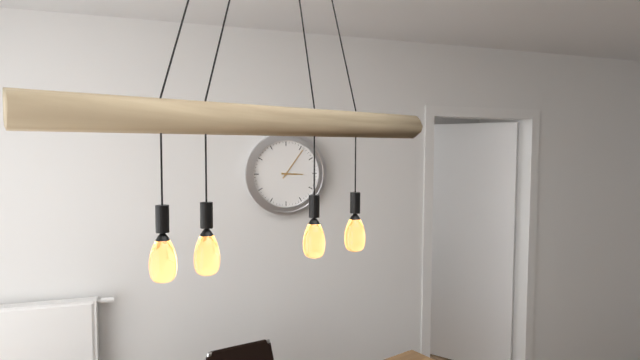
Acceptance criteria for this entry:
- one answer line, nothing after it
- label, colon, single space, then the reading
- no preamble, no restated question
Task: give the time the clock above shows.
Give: 3:06
